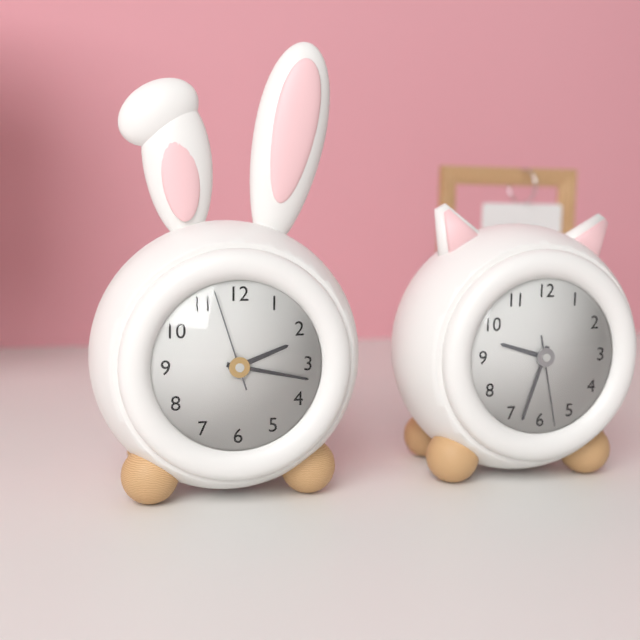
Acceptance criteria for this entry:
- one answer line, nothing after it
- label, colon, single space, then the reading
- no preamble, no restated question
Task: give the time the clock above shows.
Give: 2:17:57
